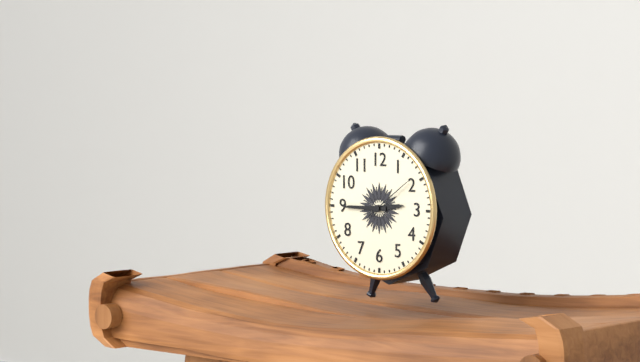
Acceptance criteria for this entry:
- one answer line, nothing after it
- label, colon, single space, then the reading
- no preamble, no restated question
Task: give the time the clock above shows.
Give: 2:45:09
